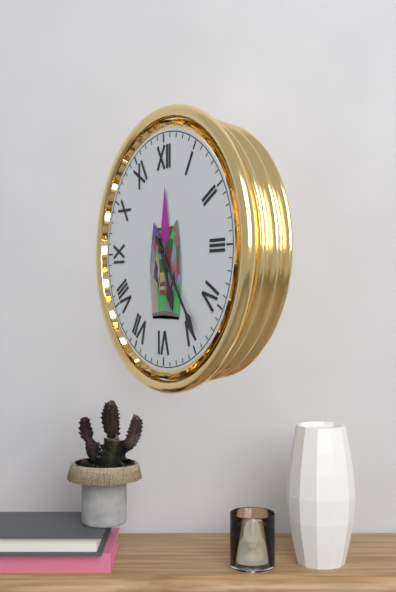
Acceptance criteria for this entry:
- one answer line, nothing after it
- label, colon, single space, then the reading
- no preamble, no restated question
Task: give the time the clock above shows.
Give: 5:24
